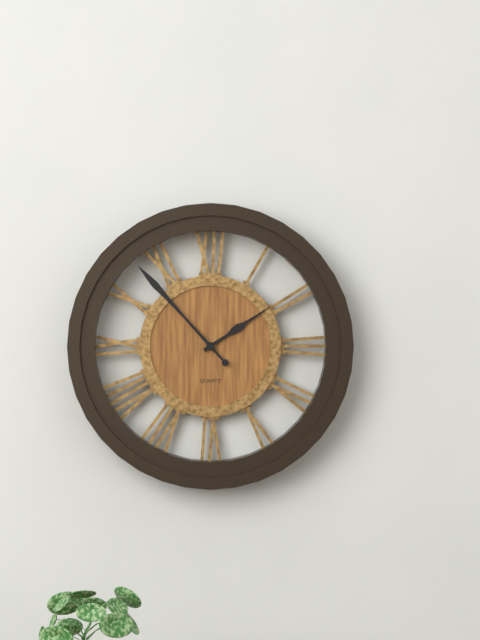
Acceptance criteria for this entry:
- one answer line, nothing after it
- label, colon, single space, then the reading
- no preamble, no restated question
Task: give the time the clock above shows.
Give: 1:53
